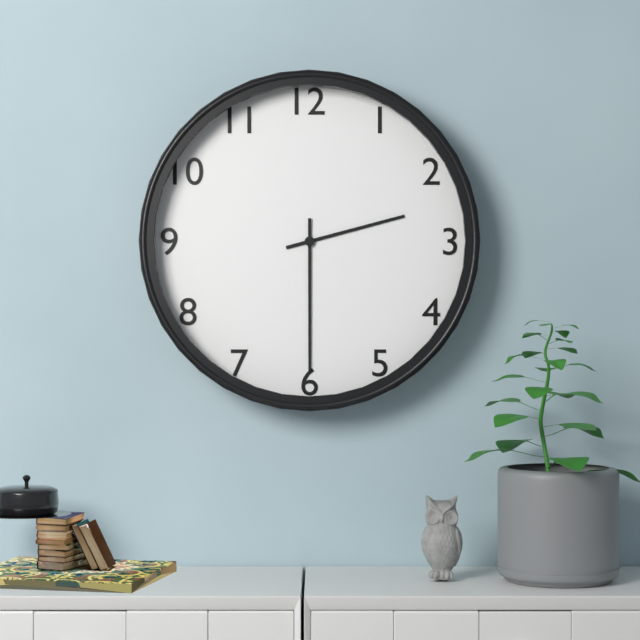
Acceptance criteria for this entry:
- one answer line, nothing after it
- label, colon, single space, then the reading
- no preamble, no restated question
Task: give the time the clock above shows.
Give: 2:30
